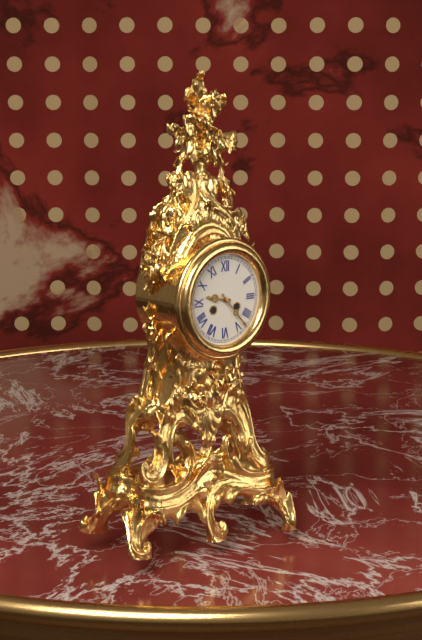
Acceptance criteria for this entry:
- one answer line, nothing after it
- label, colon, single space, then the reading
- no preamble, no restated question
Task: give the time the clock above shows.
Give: 9:23
